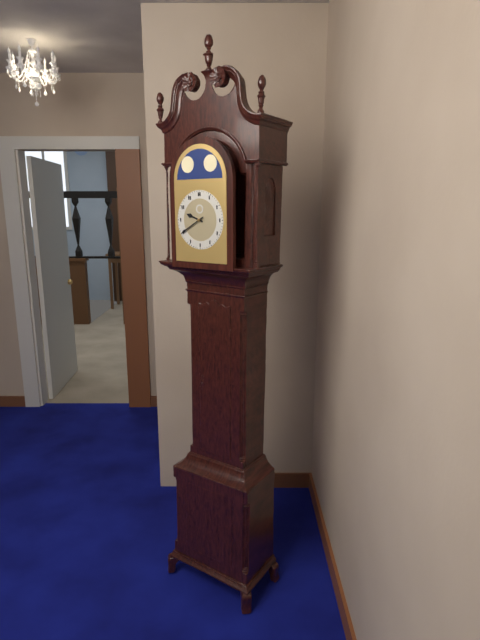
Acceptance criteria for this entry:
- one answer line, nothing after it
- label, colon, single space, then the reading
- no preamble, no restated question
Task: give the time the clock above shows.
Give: 9:40
